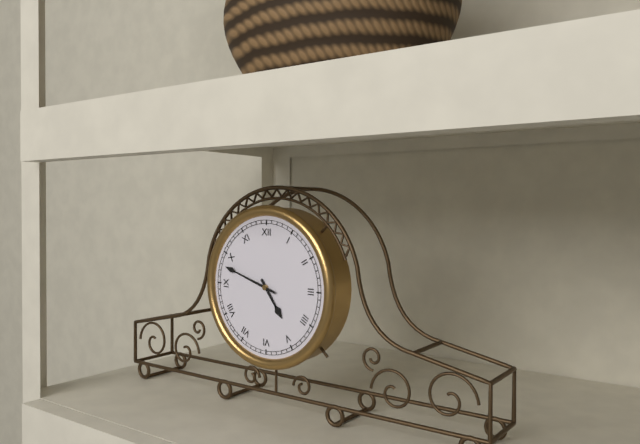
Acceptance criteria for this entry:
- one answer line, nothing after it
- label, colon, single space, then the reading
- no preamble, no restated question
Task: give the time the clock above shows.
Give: 4:48
